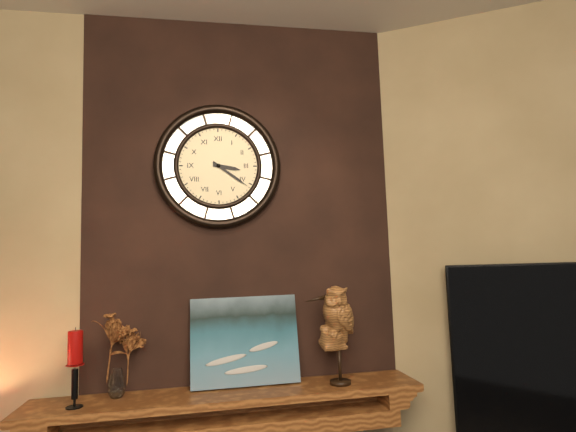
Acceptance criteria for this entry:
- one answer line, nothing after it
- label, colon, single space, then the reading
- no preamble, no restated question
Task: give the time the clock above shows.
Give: 3:21
